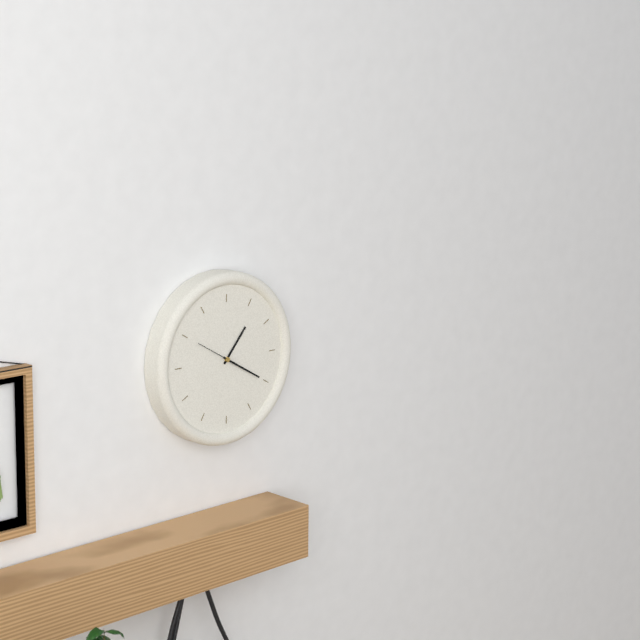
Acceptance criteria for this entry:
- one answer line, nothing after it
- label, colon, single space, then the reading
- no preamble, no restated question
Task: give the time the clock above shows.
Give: 1:20
